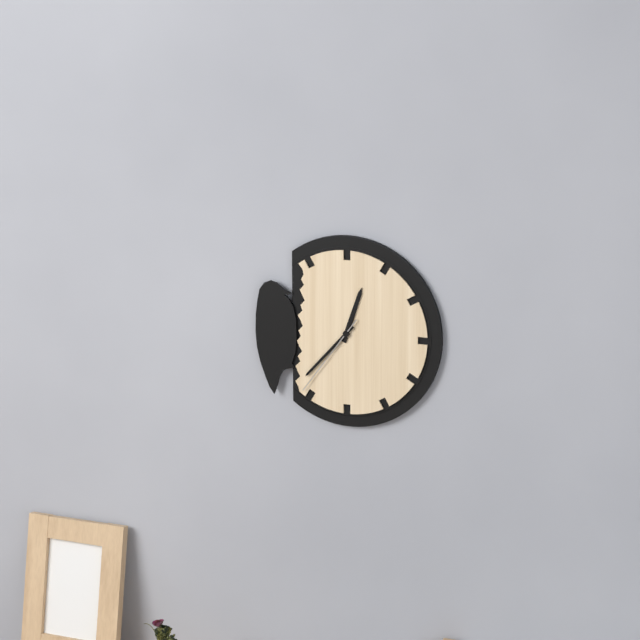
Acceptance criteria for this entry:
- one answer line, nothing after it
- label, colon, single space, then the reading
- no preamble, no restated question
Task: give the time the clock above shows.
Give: 12:37:36
